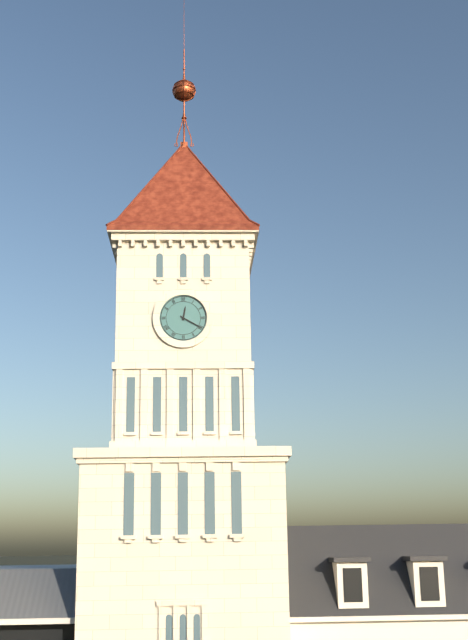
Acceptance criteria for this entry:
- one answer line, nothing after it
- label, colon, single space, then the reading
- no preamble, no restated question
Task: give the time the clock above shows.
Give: 12:20
